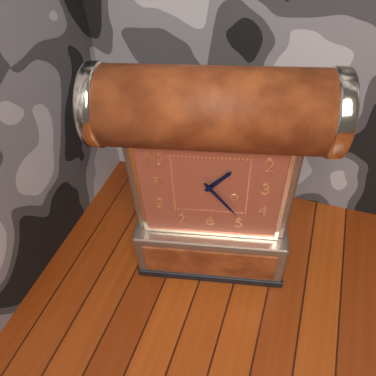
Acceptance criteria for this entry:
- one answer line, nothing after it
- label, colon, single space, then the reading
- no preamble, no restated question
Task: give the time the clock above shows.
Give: 1:24
